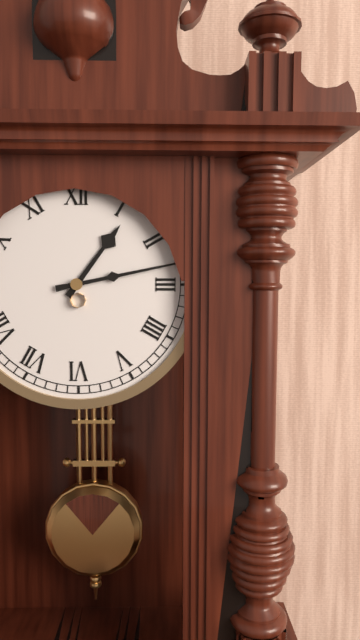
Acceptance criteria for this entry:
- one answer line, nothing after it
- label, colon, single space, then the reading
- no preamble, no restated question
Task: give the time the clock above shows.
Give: 1:13
